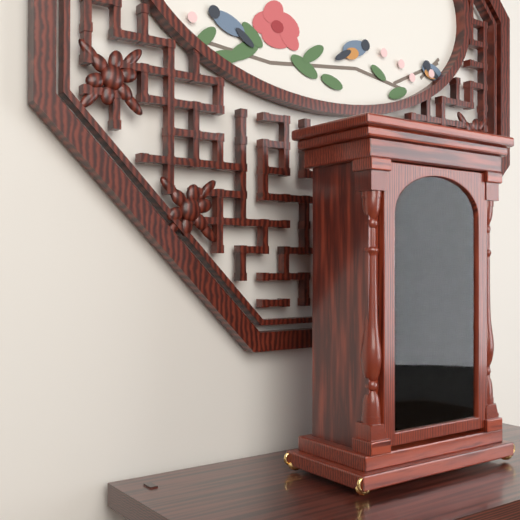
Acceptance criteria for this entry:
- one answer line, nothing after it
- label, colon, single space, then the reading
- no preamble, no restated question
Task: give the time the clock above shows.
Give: 10:35
